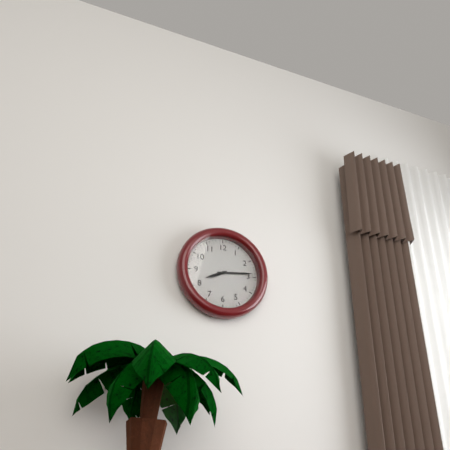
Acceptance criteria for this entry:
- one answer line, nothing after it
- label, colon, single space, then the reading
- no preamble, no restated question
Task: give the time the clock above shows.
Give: 8:14
